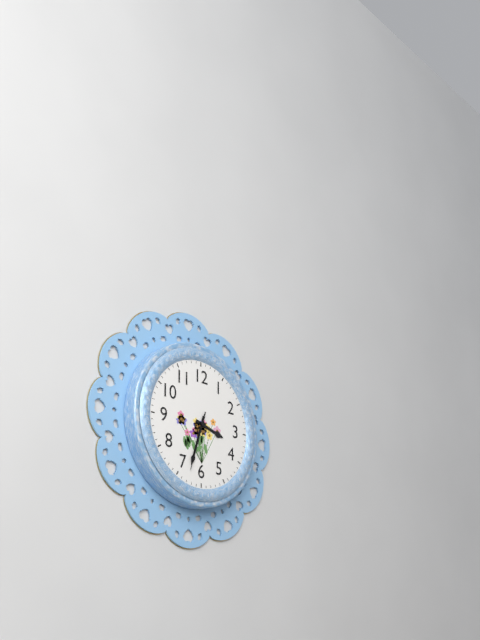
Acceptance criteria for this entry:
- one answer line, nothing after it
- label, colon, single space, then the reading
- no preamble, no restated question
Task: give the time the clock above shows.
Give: 3:33:33
